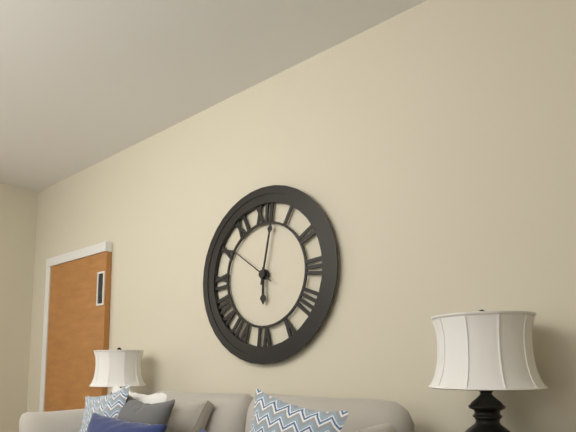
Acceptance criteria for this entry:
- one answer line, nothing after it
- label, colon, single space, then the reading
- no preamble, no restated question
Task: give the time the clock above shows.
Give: 6:02
